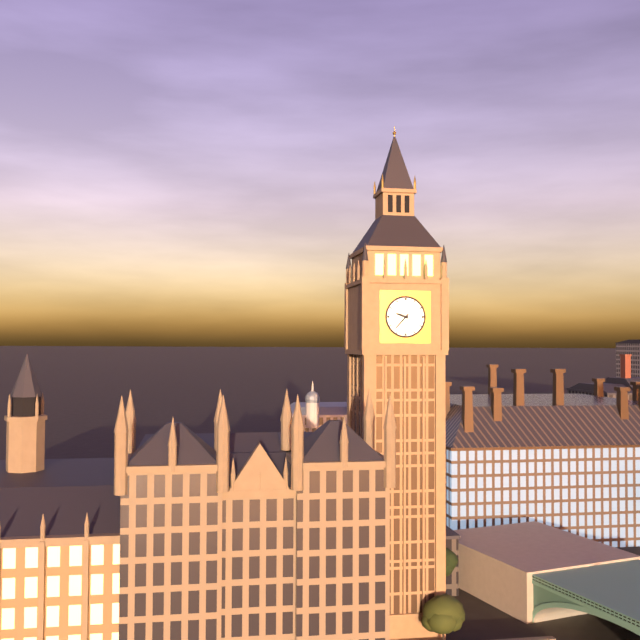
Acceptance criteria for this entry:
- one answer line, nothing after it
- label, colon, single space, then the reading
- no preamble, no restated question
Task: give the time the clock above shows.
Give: 9:37
